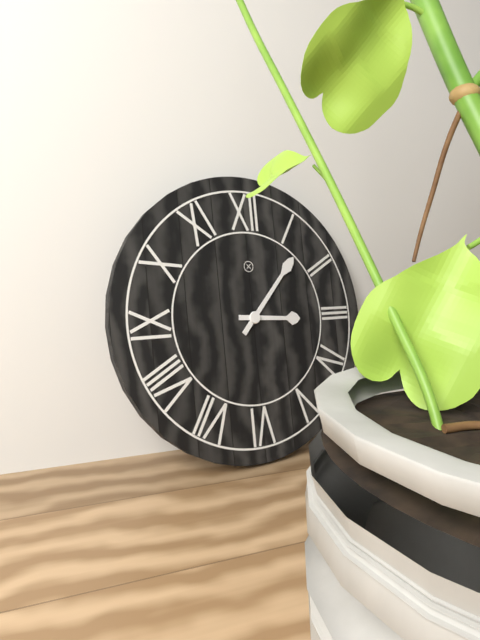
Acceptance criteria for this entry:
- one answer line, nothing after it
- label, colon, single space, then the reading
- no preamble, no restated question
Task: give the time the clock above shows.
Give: 3:07
